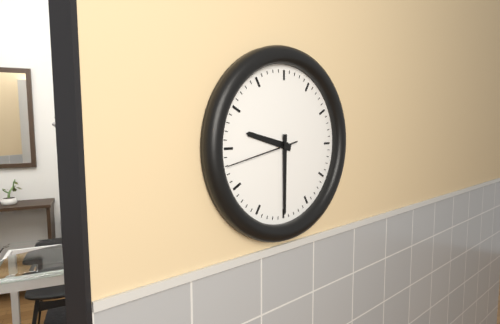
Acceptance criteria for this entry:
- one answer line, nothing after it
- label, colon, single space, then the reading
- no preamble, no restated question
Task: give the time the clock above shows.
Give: 9:30:43
